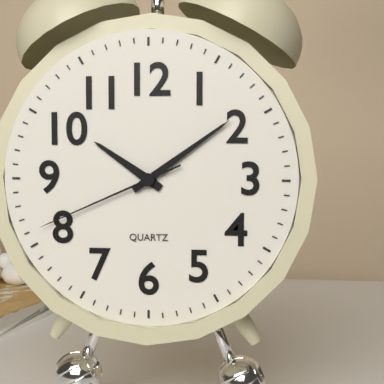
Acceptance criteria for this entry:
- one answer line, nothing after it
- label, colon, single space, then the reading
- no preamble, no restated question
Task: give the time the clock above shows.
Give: 10:09:41
